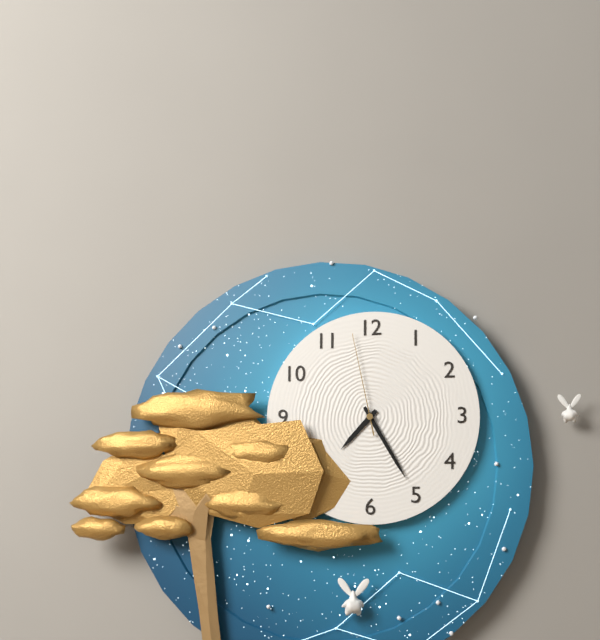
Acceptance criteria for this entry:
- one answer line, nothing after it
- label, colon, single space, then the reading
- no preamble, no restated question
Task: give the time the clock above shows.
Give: 7:25:58
